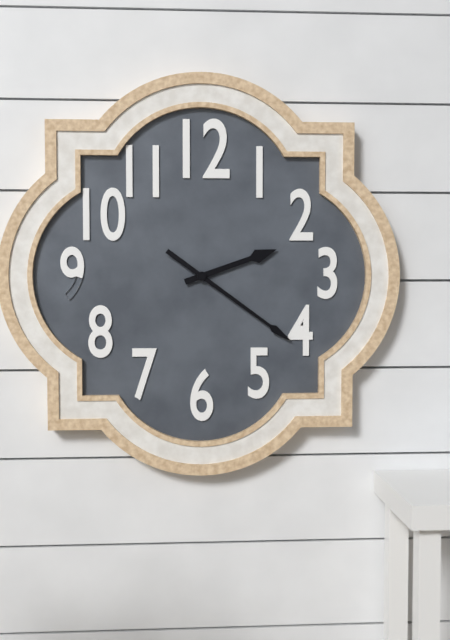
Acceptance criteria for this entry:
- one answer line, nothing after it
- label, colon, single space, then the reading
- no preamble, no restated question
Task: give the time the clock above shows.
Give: 2:21
